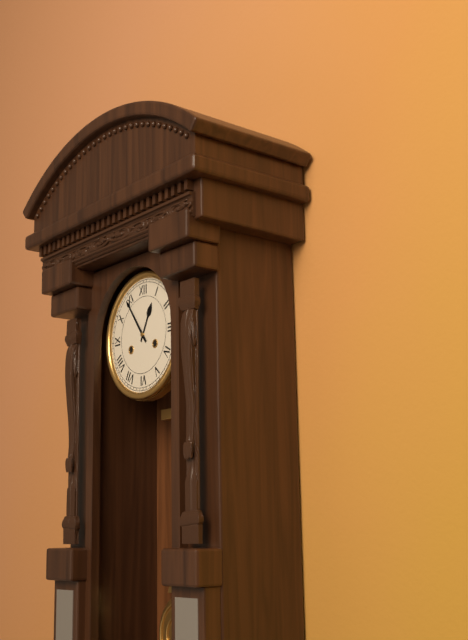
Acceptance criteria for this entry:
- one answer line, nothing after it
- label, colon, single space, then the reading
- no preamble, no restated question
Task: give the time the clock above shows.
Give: 12:54
